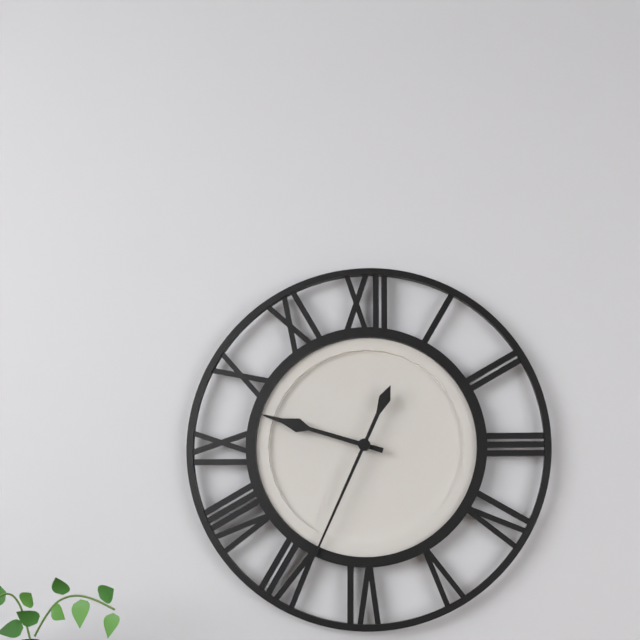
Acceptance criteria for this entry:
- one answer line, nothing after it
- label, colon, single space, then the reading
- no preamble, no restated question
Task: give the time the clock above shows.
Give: 9:34
